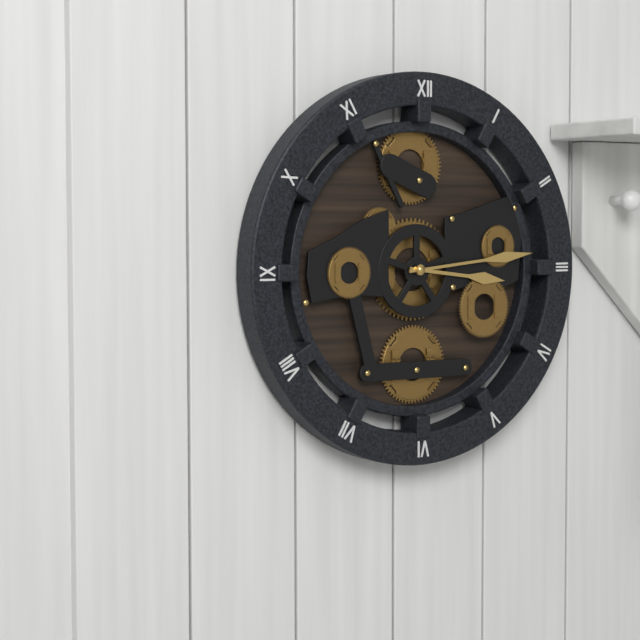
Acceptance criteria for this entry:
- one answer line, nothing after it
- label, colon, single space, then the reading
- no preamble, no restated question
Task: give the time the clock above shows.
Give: 3:14
